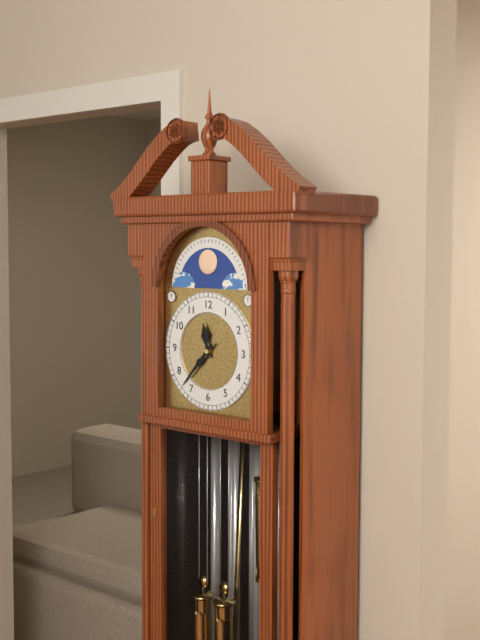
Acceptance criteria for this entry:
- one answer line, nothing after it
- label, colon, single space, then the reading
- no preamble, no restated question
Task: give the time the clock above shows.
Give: 11:37
